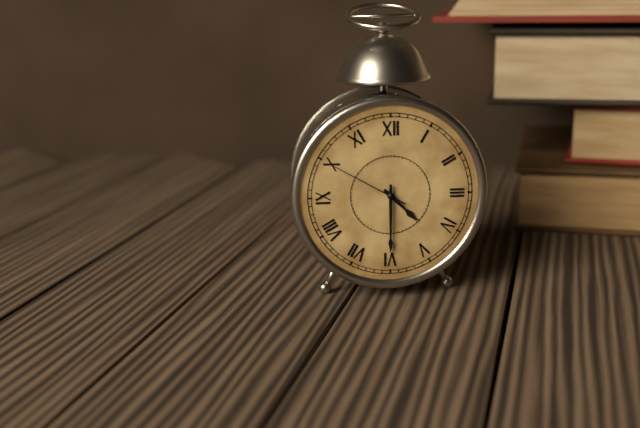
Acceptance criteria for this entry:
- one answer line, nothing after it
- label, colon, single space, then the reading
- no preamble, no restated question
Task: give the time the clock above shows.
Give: 4:30:50
